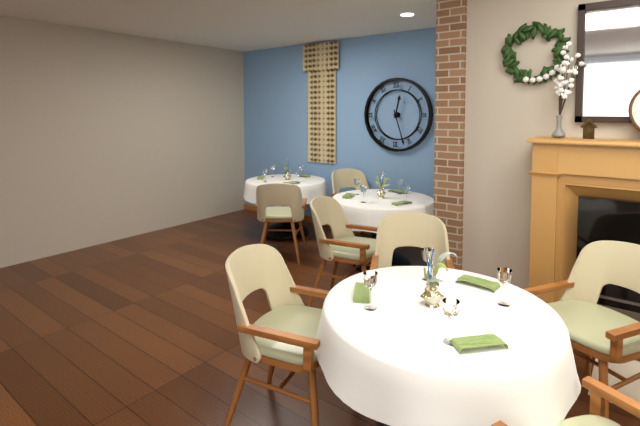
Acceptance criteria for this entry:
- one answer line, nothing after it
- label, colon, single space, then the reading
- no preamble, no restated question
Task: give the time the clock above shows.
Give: 12:27
